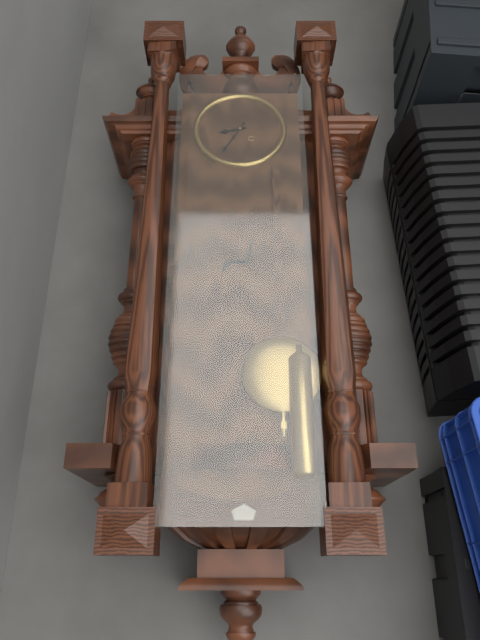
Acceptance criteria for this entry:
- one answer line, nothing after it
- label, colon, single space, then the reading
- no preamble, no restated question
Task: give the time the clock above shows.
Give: 8:35
